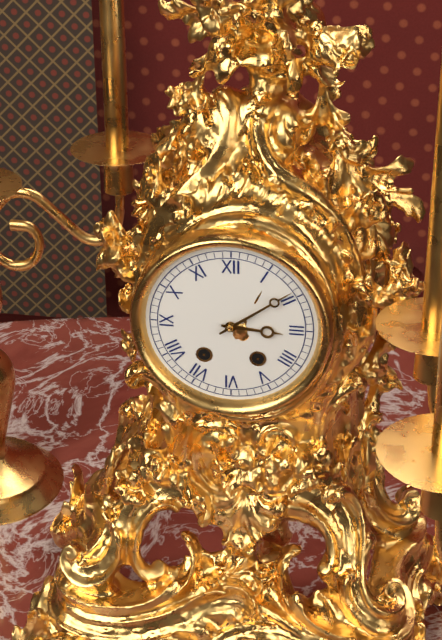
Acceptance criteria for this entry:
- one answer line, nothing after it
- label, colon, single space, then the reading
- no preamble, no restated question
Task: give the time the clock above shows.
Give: 3:09
